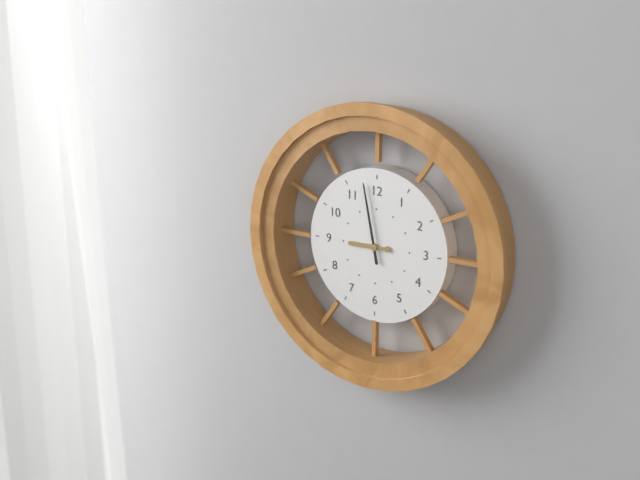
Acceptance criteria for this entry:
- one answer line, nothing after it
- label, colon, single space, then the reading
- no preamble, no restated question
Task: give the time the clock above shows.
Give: 8:58
